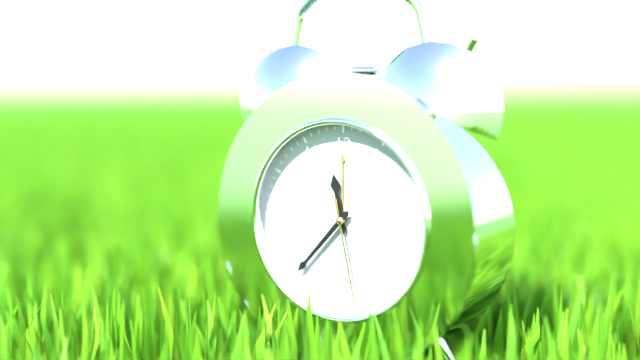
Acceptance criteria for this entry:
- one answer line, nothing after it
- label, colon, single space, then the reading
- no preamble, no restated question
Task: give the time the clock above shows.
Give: 11:37:28
